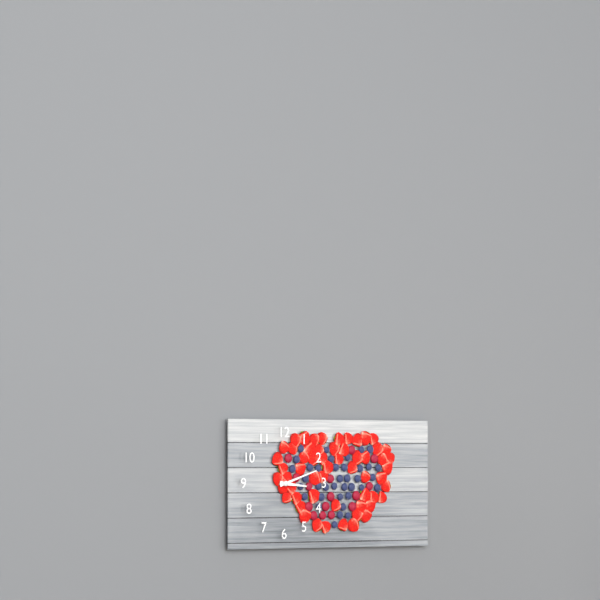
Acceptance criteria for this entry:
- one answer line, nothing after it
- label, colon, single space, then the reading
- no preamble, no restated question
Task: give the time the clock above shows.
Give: 3:12
